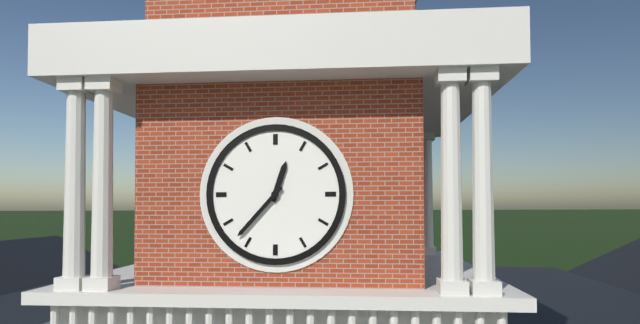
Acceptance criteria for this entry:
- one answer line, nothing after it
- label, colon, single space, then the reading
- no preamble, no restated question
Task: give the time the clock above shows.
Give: 12:37
